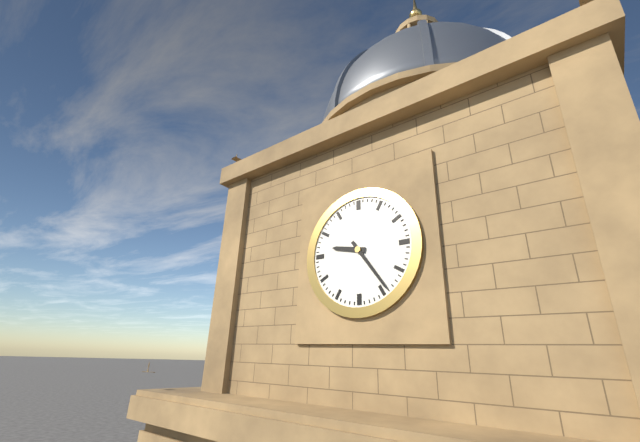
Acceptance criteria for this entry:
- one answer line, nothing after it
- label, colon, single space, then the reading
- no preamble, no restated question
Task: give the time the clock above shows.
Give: 9:24
